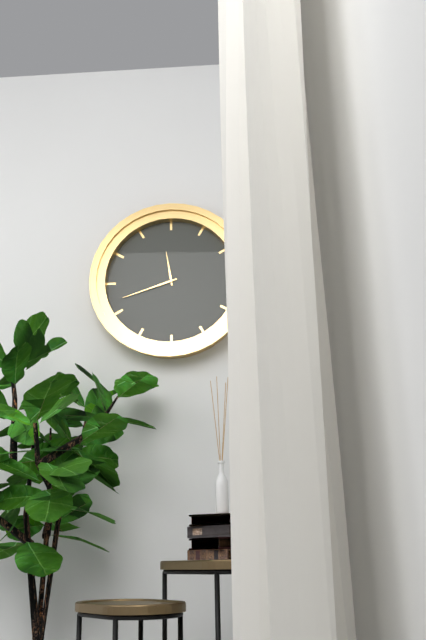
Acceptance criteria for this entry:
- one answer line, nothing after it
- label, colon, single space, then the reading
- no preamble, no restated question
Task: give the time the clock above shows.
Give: 11:42
